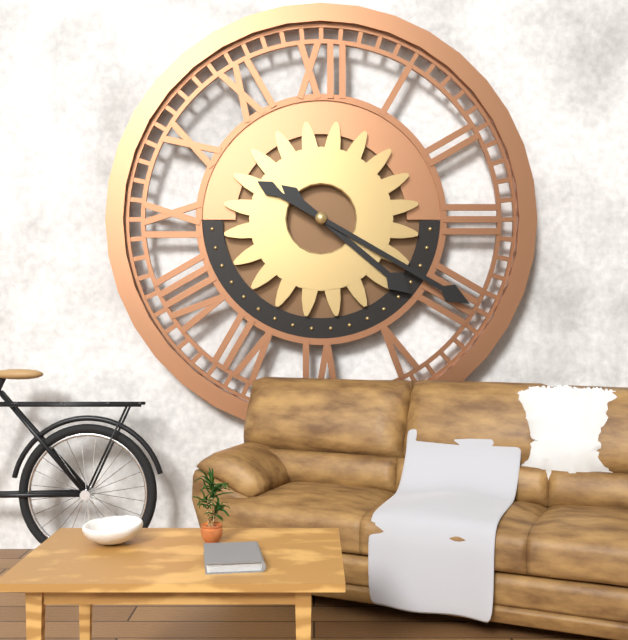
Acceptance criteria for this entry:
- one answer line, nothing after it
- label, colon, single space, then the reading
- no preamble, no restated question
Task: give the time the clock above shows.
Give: 4:20
